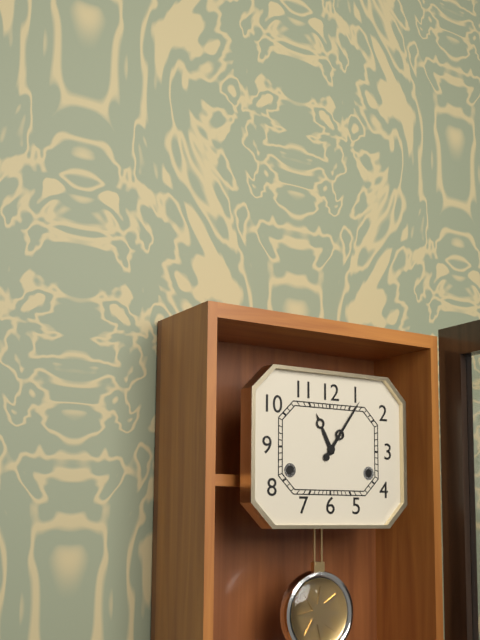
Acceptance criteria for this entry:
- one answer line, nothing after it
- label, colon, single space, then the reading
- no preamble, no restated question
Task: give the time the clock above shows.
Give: 11:06
